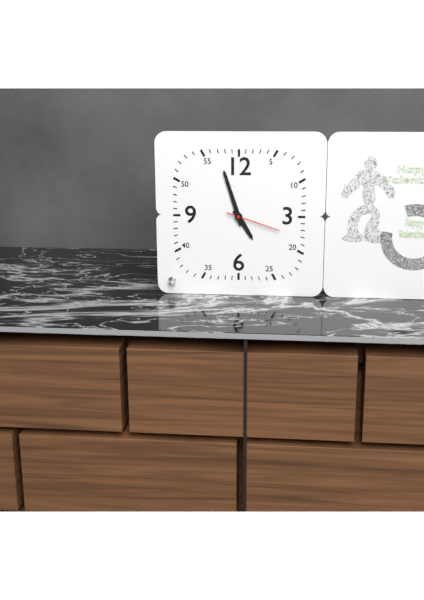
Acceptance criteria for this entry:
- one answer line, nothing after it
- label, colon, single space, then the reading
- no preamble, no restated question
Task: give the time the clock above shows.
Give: 4:57:18
